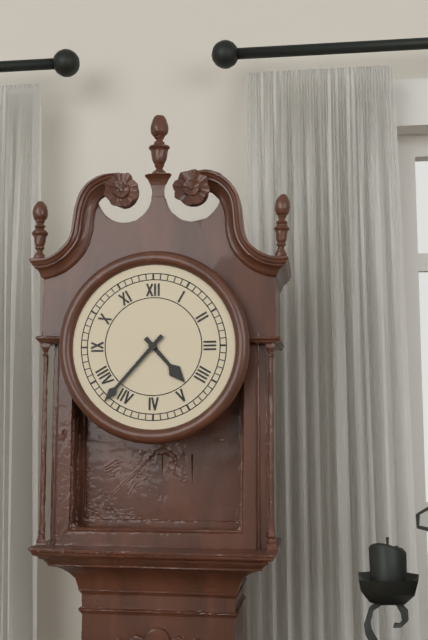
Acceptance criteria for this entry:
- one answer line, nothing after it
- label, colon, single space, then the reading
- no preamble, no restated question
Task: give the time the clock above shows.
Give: 4:37
